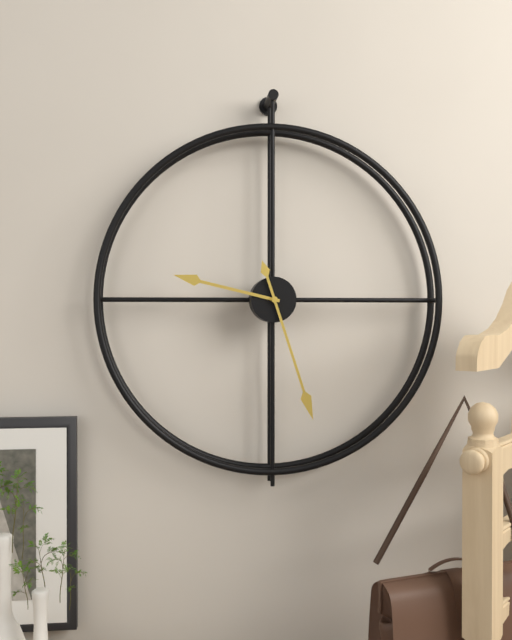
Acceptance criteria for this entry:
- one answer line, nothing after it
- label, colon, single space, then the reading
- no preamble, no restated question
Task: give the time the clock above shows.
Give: 9:27
